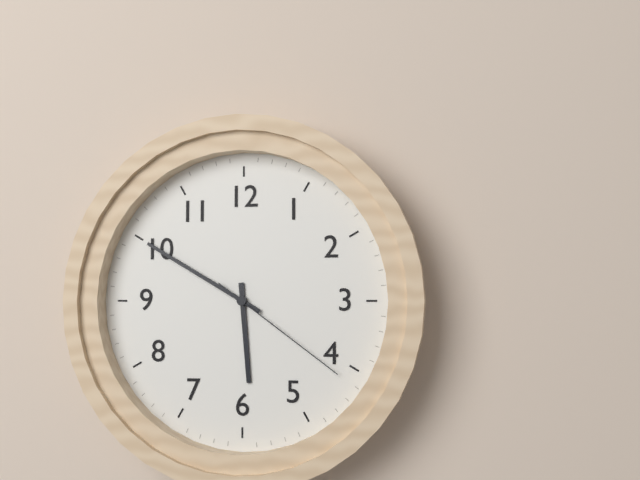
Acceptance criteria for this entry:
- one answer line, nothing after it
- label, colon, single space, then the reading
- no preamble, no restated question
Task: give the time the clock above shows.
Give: 5:50:21
